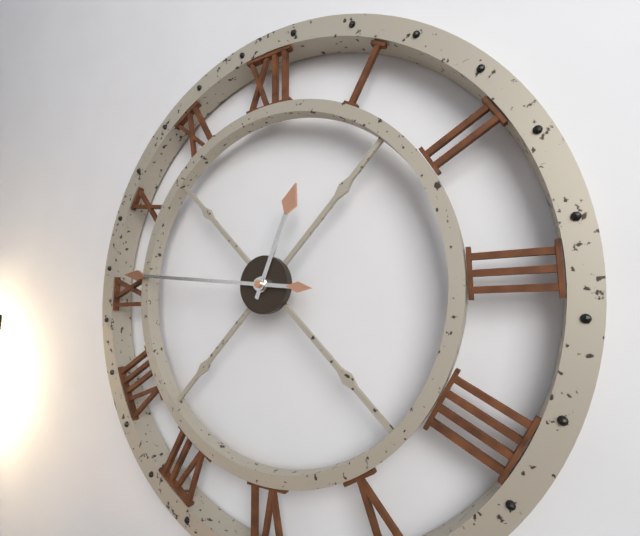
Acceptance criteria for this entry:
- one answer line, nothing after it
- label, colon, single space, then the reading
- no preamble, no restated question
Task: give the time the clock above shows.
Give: 12:46
